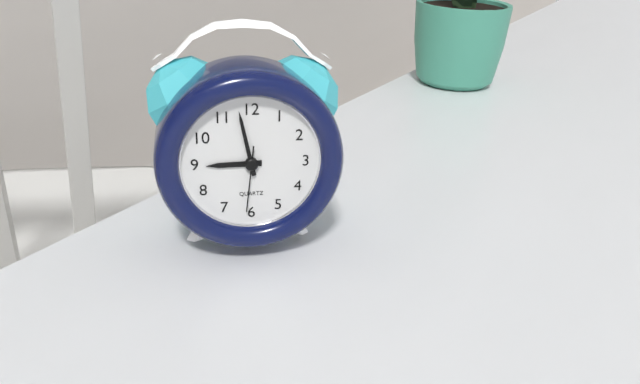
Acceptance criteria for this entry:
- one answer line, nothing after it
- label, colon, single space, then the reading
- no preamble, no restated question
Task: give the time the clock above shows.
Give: 8:58:31
